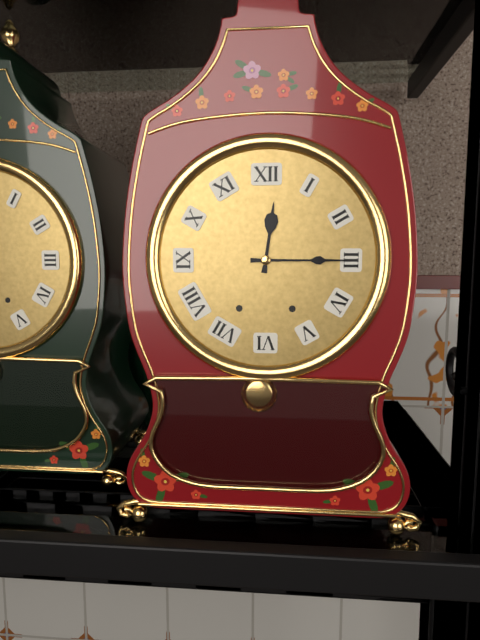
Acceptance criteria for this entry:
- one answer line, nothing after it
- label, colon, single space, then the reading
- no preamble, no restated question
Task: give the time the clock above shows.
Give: 12:15
